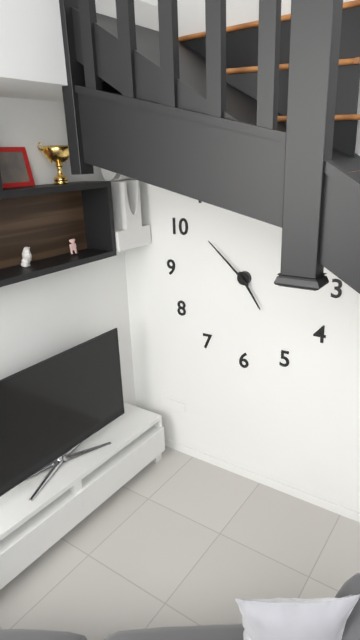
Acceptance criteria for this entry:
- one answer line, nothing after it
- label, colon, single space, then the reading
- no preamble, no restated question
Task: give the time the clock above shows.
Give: 4:52
